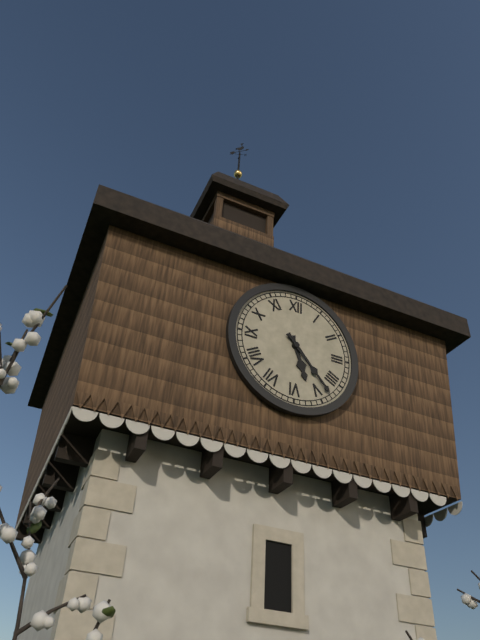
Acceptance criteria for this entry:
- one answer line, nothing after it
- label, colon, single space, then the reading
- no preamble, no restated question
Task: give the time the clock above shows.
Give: 5:23
